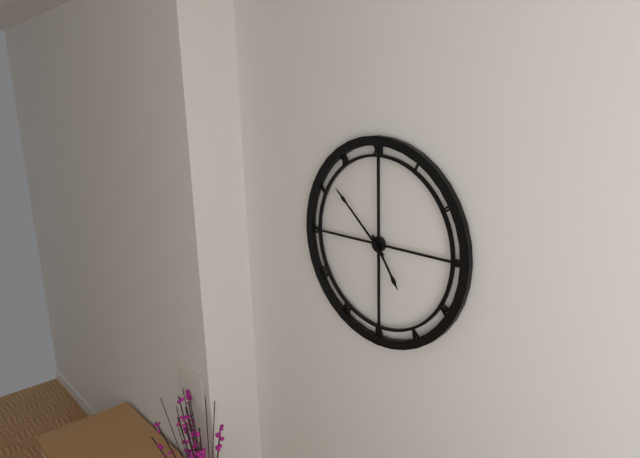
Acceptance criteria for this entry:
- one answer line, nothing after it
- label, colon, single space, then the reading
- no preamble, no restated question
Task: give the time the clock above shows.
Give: 4:52
